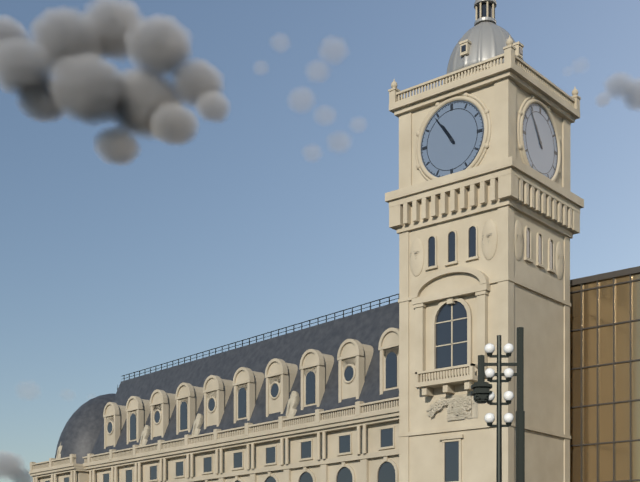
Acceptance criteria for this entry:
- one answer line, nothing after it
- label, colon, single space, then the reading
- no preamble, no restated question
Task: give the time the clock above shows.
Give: 10:54
